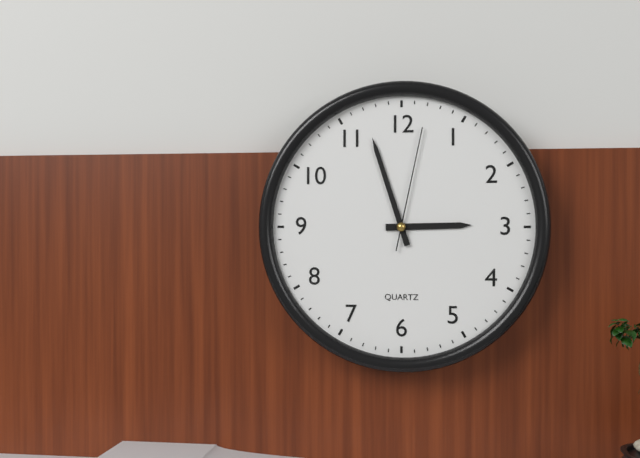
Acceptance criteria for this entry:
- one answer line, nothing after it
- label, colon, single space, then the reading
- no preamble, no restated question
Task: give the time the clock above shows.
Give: 2:57:02
